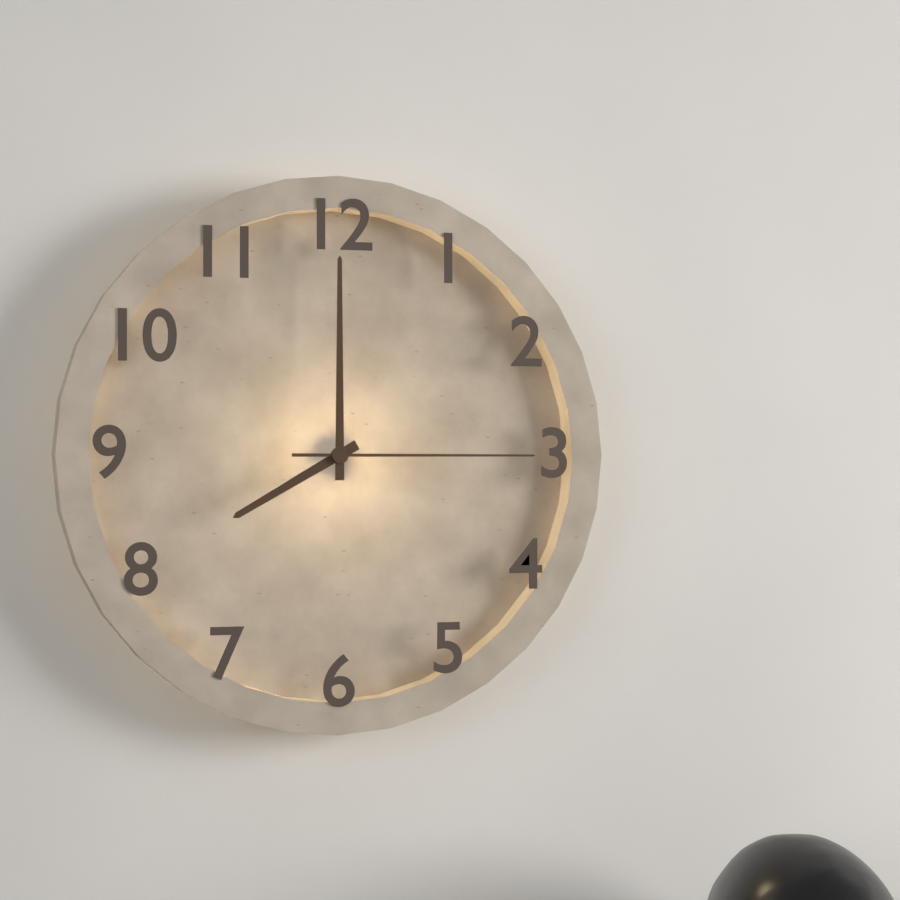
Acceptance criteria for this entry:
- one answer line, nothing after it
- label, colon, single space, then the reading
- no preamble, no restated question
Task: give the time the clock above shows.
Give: 8:00:15
